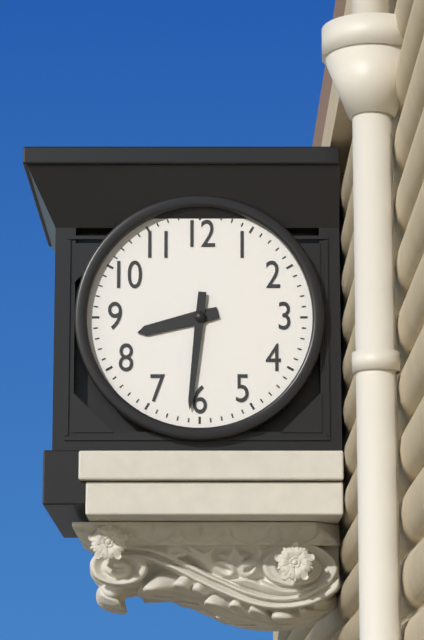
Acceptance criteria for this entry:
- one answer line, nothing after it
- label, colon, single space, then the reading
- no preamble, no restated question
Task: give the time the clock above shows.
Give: 8:31
